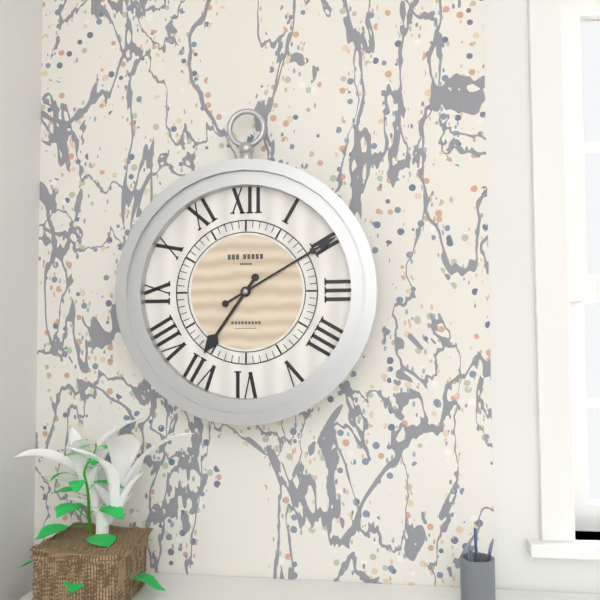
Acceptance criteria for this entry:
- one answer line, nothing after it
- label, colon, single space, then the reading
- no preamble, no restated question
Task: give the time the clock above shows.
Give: 7:10
